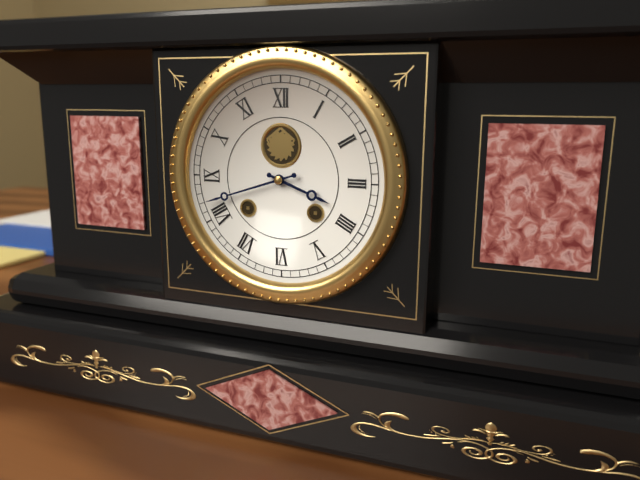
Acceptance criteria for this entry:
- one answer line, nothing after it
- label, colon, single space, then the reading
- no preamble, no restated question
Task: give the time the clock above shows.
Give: 3:42
